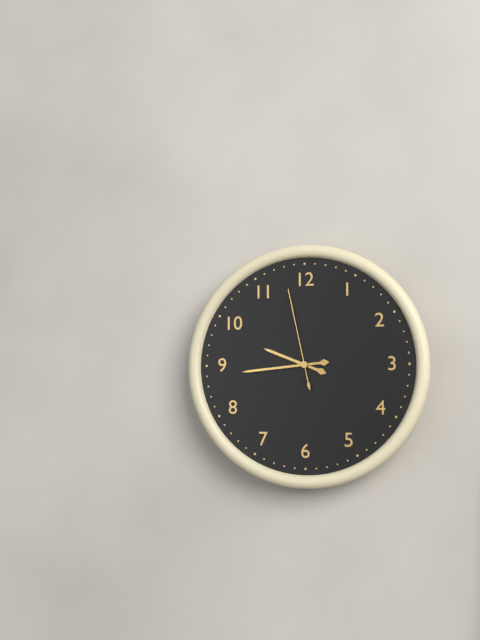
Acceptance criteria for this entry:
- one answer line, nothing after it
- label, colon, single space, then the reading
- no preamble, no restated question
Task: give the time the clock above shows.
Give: 9:44:58
